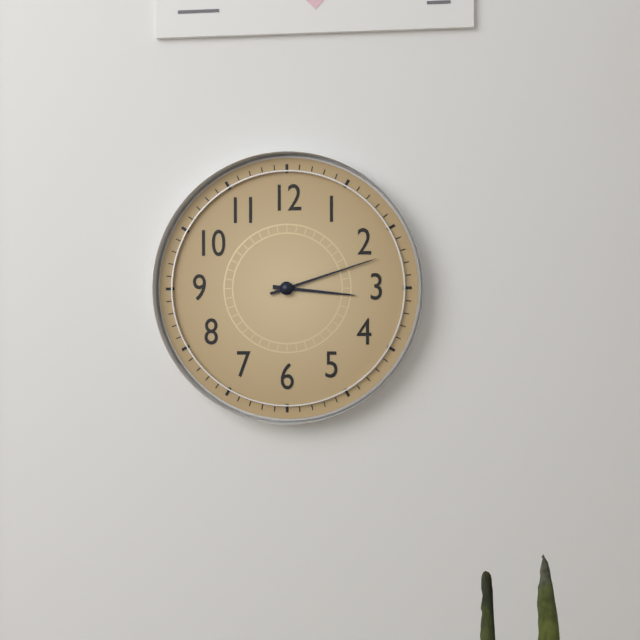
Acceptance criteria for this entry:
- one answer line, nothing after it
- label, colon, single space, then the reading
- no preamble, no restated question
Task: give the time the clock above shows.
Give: 3:12
